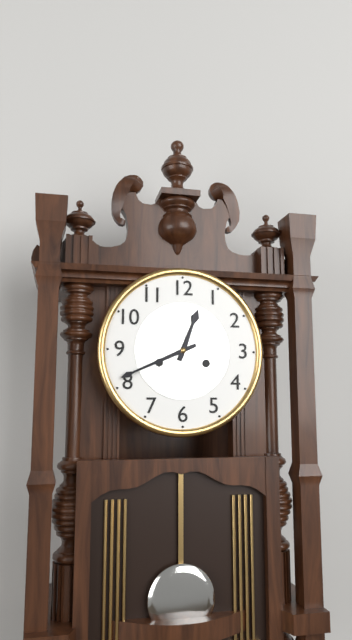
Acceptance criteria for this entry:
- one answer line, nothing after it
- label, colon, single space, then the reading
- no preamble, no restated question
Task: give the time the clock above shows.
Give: 12:41
